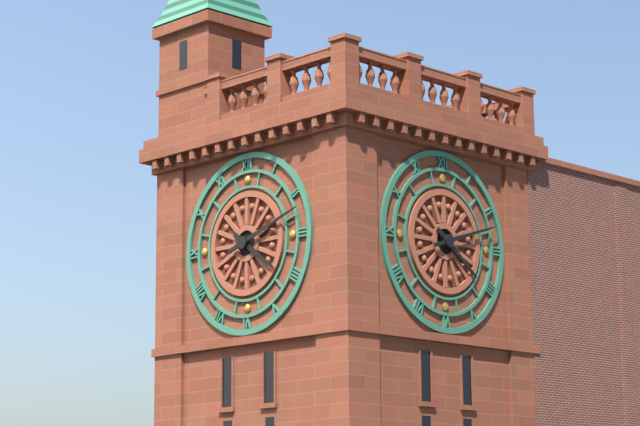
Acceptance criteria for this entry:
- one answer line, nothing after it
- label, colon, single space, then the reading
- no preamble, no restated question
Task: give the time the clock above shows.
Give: 4:12
